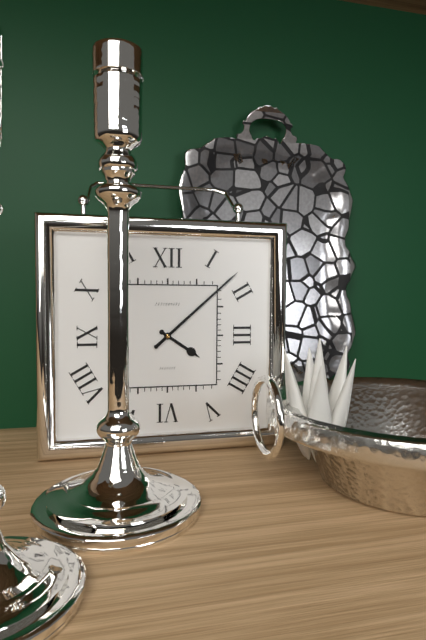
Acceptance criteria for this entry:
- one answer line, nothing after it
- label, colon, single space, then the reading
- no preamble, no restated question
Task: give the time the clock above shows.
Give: 4:08
